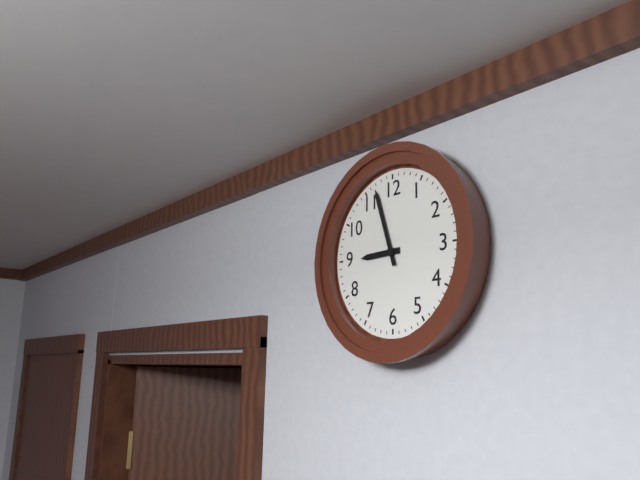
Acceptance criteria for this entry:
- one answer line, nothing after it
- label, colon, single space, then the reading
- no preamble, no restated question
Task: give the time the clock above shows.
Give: 8:57
